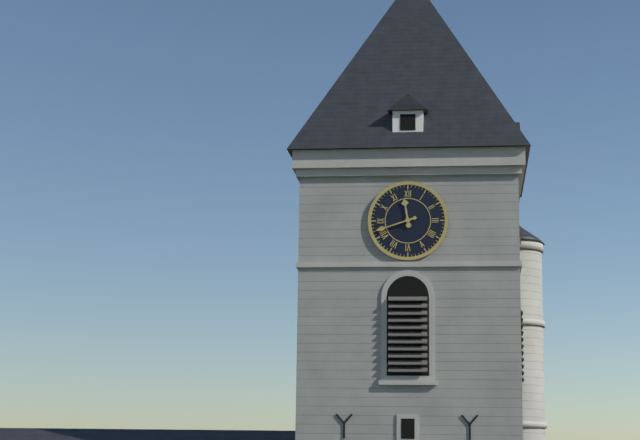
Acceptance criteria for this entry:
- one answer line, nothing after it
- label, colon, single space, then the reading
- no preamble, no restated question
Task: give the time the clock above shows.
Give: 11:42
